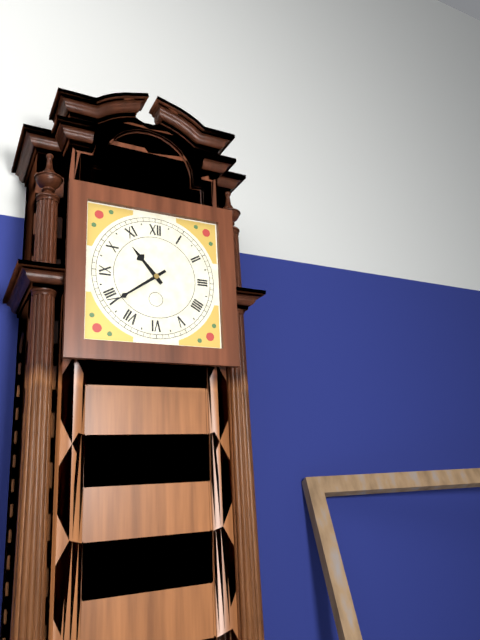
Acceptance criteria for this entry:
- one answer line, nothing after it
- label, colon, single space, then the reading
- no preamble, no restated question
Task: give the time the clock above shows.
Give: 10:39
